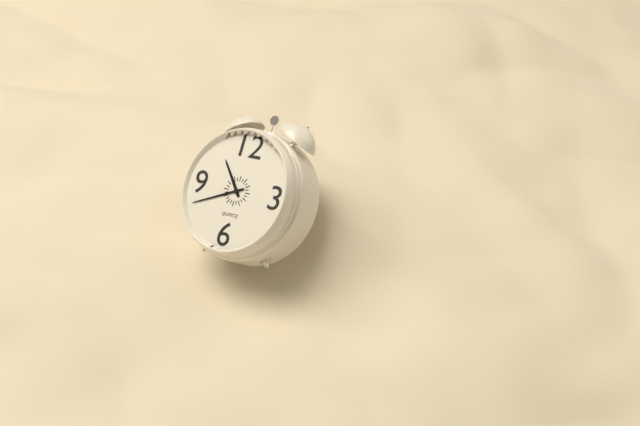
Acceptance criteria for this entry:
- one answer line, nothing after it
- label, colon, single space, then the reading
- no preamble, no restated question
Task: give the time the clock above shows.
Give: 10:41
